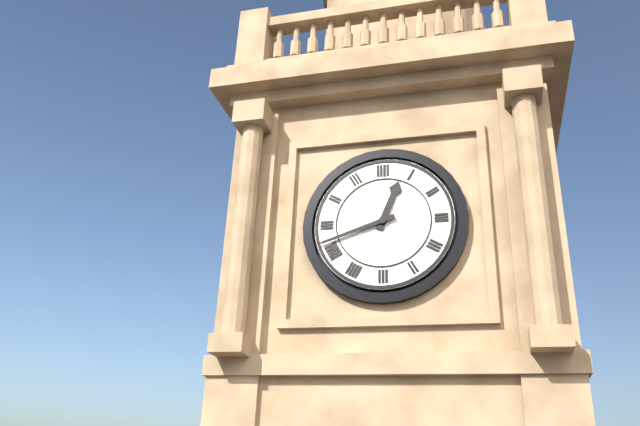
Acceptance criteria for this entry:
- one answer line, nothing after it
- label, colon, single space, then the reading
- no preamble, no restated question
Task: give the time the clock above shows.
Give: 12:42
